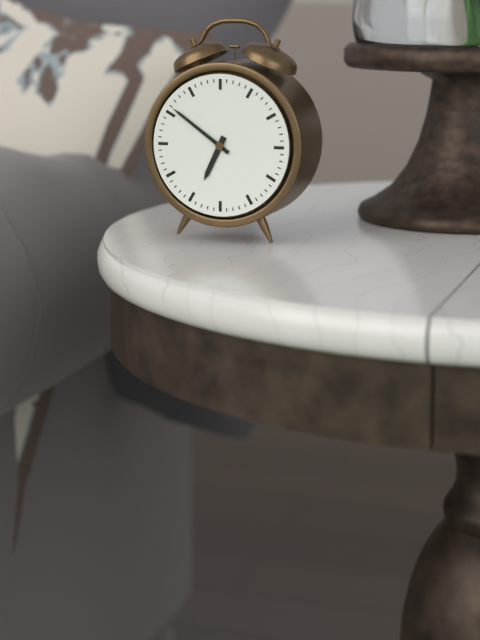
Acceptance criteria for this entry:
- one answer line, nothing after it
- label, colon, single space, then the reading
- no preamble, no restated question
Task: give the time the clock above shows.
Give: 6:51
